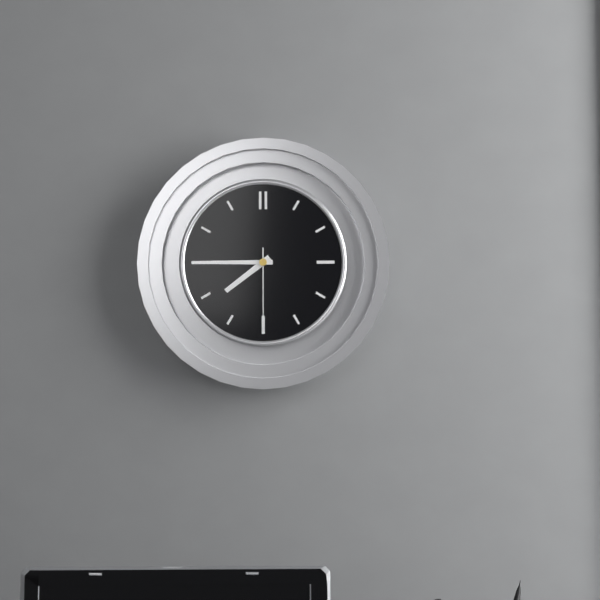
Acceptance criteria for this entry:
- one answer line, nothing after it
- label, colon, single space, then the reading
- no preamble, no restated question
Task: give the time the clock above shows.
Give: 7:45:30
